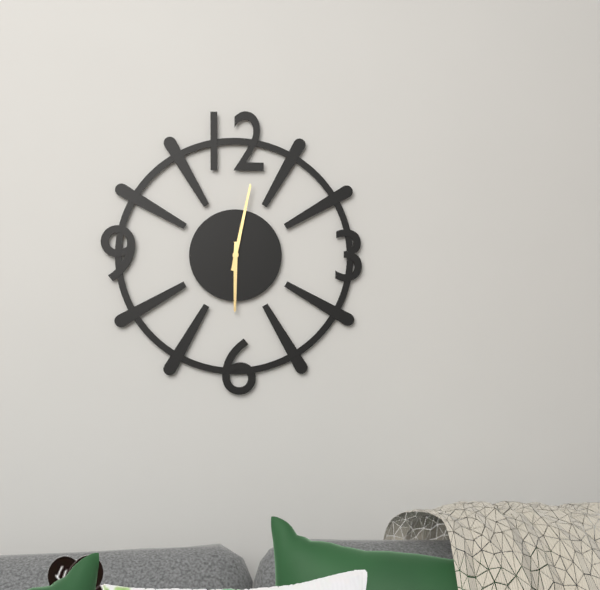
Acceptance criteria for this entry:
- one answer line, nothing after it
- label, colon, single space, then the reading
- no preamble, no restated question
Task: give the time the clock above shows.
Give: 6:02
